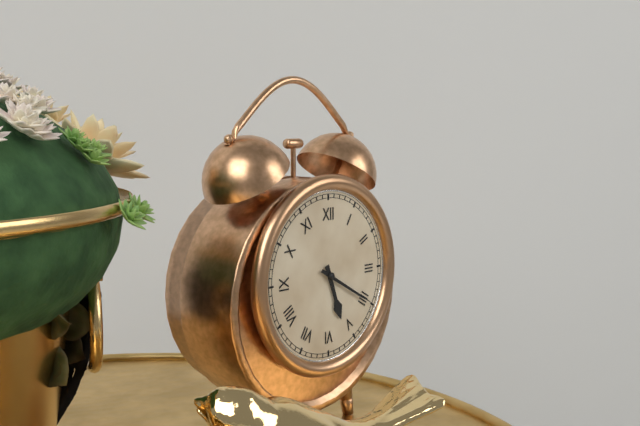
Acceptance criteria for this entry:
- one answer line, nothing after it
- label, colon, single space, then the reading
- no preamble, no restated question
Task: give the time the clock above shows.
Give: 5:20
